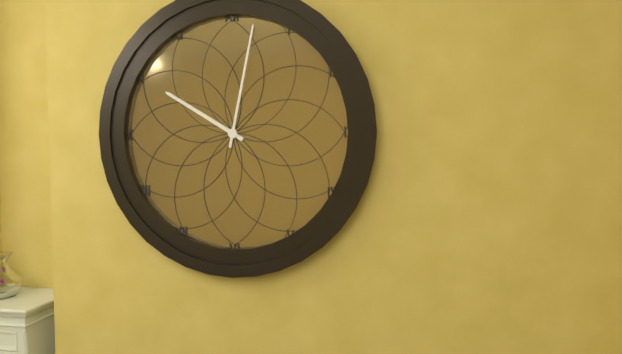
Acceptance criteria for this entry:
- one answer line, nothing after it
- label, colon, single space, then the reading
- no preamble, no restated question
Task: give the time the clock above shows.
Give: 10:02
